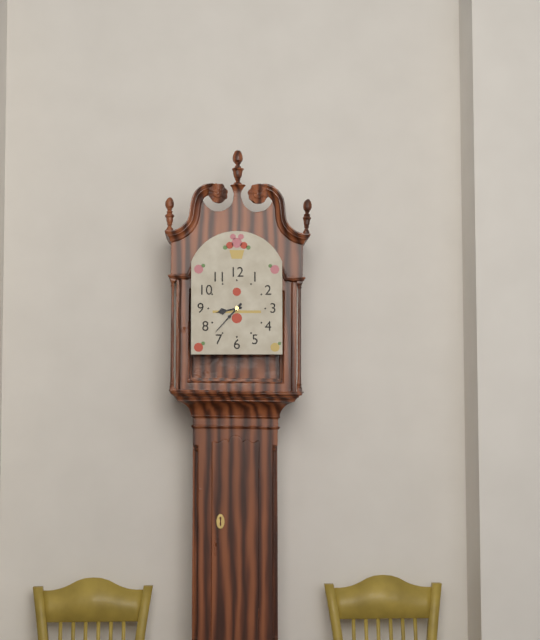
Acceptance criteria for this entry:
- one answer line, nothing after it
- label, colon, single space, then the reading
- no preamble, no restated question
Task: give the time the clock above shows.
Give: 8:37
